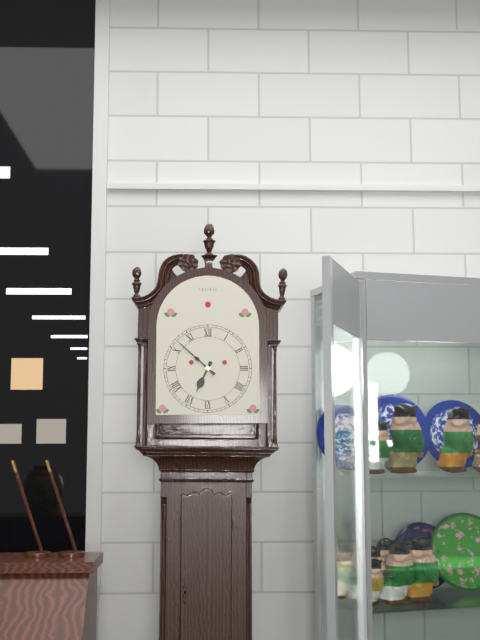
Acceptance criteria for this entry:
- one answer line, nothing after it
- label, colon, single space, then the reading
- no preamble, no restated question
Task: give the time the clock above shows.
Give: 6:52
